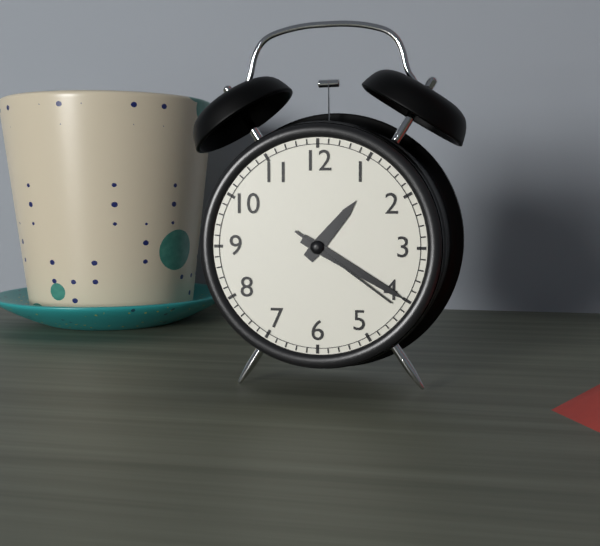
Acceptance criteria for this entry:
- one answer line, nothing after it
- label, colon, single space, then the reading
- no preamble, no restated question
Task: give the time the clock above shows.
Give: 1:20:21
